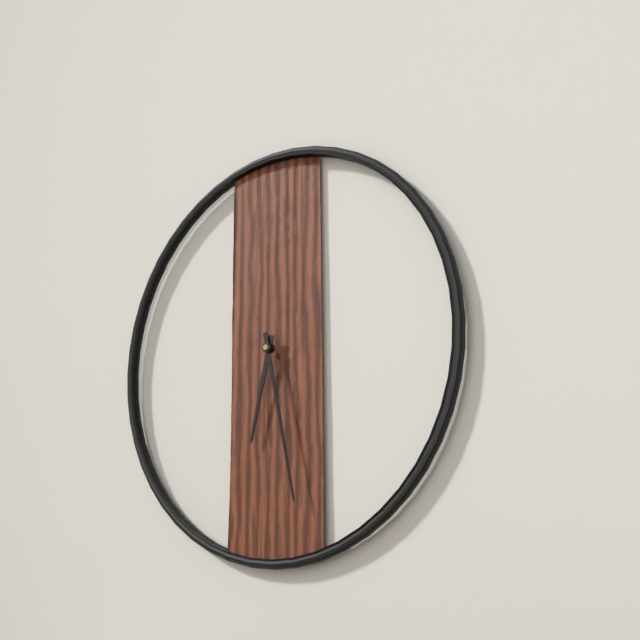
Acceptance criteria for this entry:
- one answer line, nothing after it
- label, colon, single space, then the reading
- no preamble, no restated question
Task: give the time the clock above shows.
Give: 6:28
